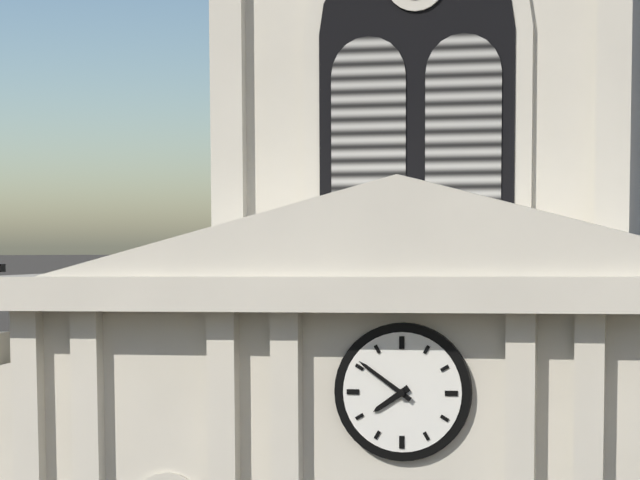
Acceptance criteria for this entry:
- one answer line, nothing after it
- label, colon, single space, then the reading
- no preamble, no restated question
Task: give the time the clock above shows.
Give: 7:51
